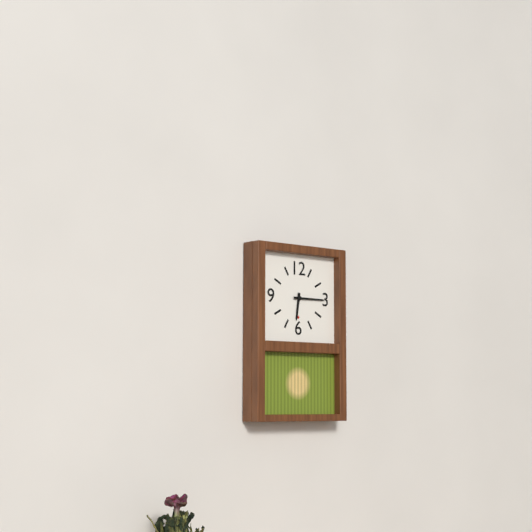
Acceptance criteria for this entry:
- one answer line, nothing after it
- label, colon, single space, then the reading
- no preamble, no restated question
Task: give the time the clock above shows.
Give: 6:15
